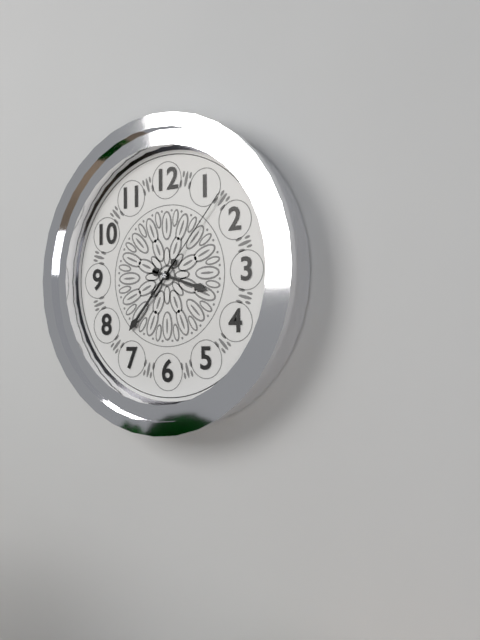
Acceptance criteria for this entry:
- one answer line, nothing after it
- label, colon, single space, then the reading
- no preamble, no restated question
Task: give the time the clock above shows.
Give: 3:37:07
